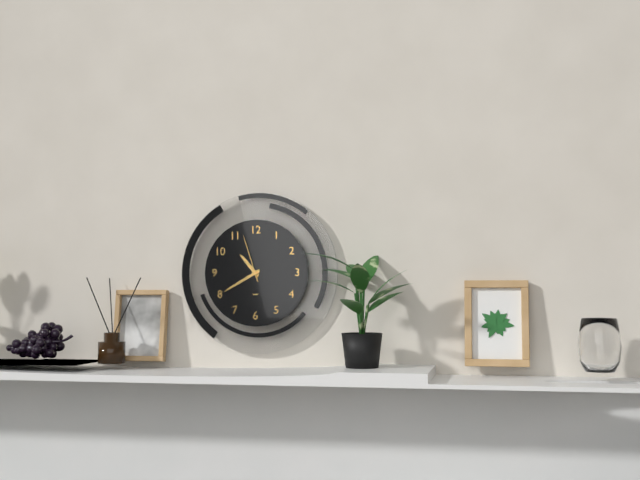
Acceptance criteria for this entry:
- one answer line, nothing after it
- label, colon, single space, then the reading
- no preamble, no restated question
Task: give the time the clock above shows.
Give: 10:40:57
